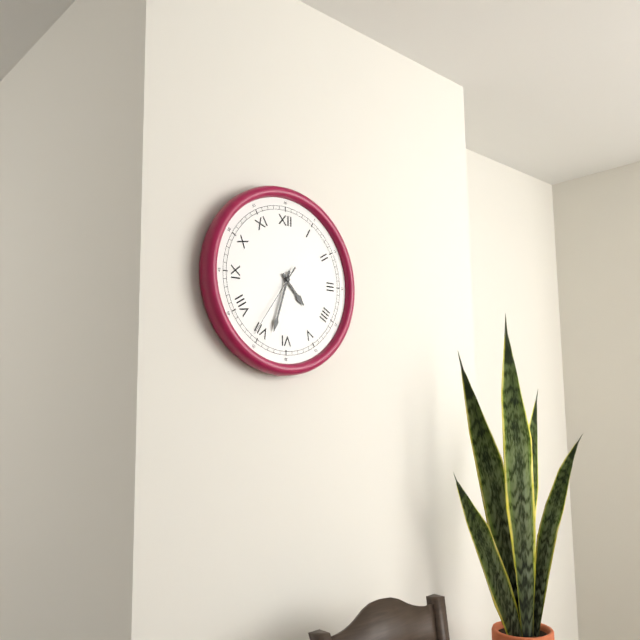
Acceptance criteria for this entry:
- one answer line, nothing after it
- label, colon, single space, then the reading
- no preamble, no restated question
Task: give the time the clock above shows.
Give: 4:33:36
